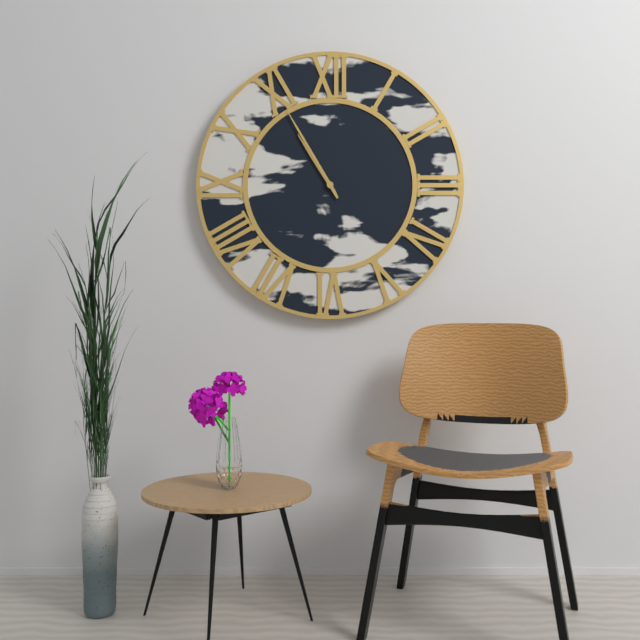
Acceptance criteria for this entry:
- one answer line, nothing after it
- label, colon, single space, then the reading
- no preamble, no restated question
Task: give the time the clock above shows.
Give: 10:55
